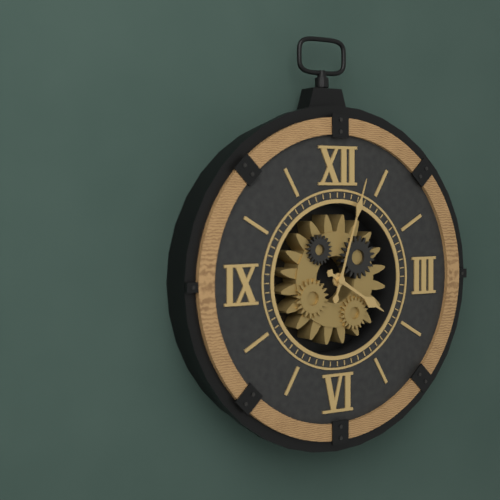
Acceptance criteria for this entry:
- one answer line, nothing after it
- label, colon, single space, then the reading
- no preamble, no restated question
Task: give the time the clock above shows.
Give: 4:03
